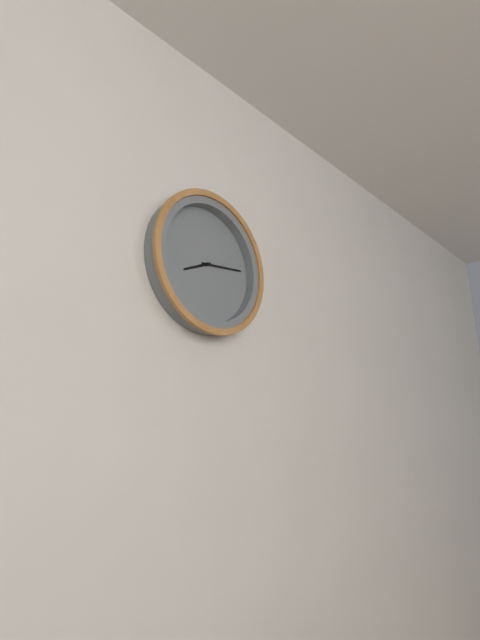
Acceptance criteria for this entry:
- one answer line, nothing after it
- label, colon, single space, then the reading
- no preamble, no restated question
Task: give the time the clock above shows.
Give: 8:14
